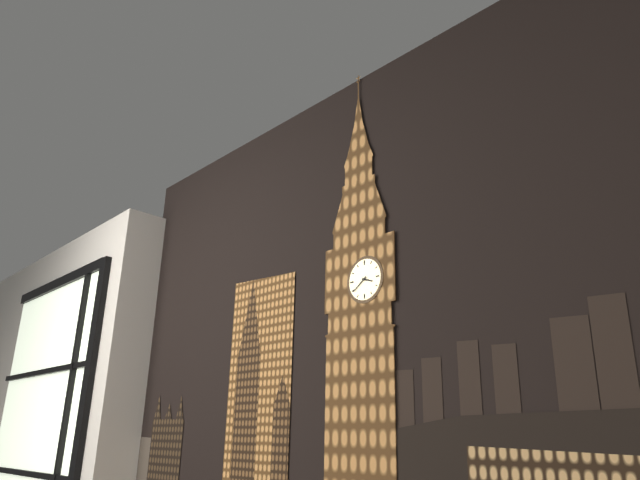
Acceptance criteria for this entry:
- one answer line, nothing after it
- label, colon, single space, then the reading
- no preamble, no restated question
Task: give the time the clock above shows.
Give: 3:39
